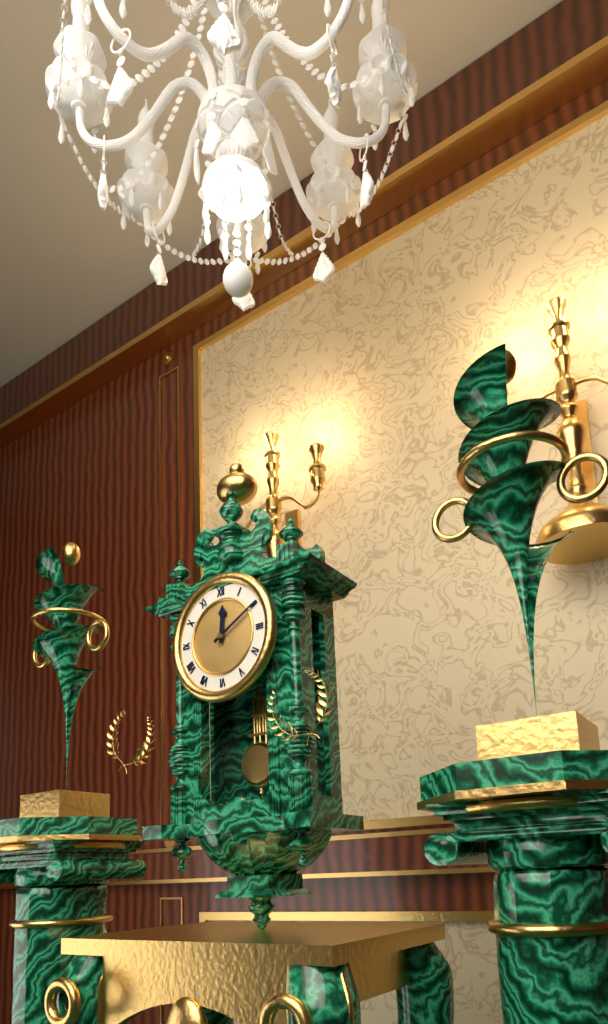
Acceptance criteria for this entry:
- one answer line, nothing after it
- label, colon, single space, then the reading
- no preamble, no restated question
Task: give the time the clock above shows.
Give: 12:10
